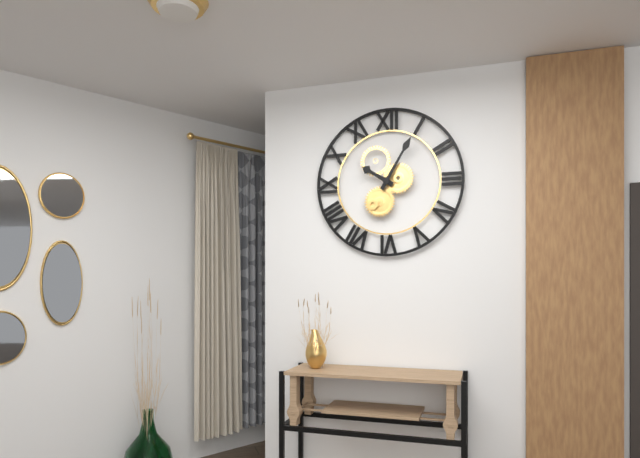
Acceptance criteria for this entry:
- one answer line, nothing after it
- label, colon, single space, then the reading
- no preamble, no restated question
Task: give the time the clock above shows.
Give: 10:05
